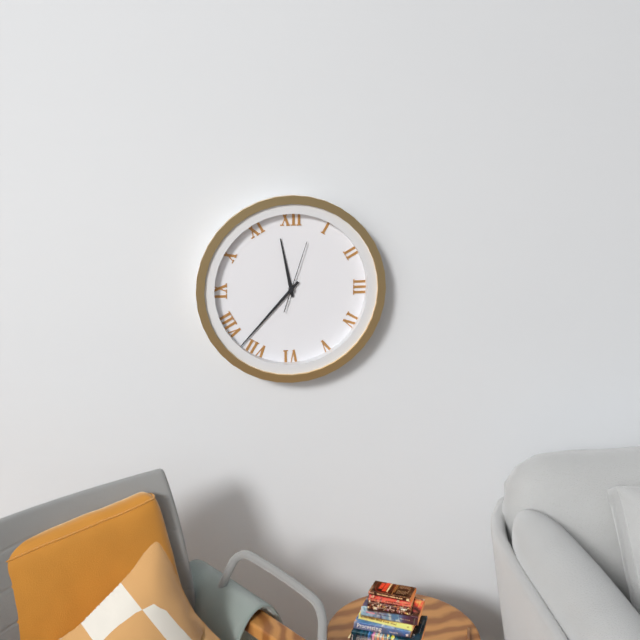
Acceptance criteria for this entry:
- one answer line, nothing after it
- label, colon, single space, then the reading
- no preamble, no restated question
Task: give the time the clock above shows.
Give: 11:37:03
